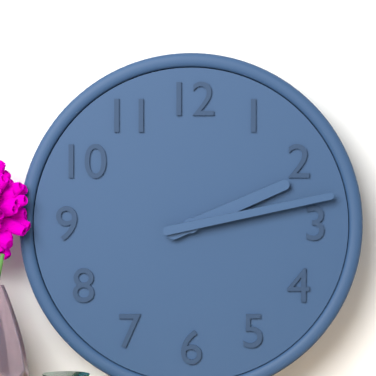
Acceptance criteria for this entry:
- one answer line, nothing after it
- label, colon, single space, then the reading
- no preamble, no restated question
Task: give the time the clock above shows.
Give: 2:13
